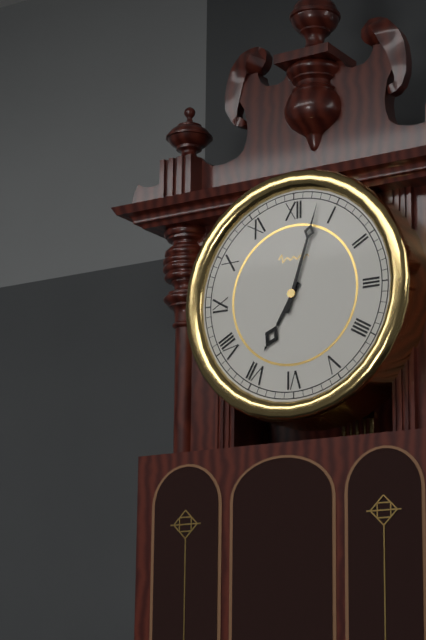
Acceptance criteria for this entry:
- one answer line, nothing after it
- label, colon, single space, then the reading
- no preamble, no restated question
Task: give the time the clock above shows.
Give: 7:03
